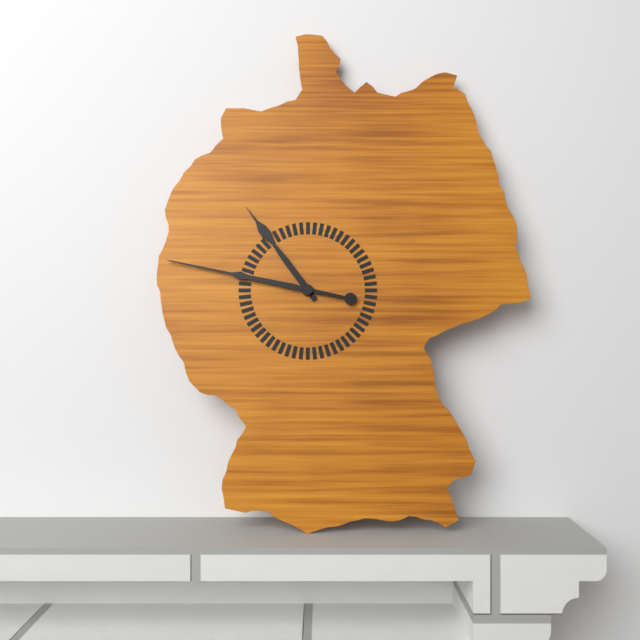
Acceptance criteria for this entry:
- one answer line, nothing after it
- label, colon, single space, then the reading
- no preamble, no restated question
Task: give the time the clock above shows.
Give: 10:47
